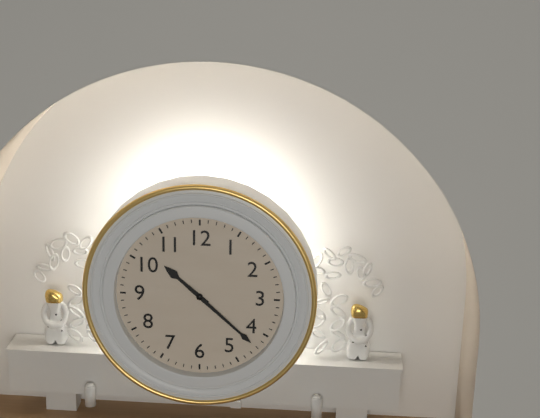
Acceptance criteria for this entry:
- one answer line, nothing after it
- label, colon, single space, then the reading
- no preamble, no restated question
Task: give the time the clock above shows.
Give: 10:22
